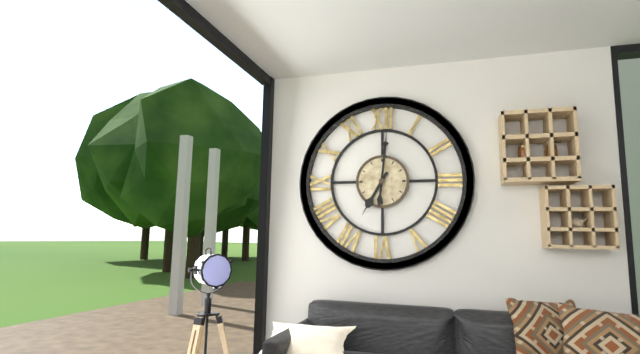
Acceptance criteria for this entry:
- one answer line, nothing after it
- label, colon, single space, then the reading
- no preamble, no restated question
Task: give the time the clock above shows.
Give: 7:01
